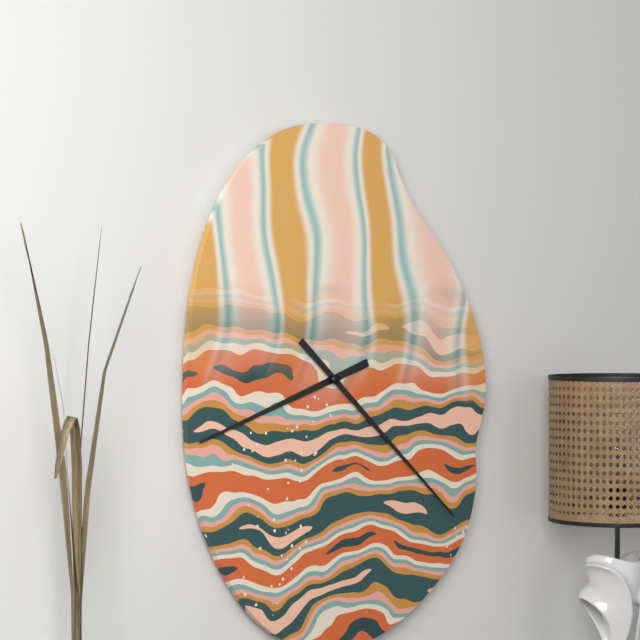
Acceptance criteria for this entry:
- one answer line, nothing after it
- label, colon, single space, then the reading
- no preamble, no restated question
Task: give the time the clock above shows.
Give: 8:22
